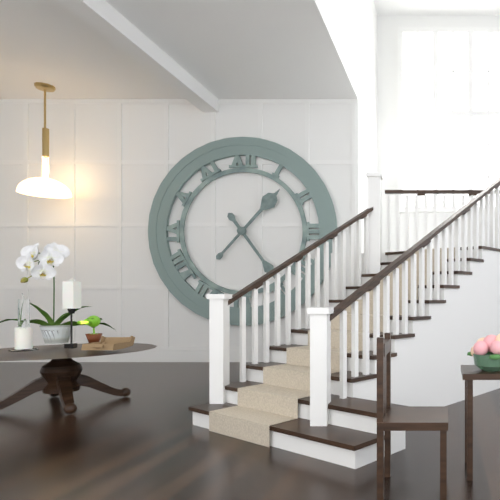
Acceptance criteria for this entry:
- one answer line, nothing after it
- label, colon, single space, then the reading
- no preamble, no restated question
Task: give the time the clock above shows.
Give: 1:24
